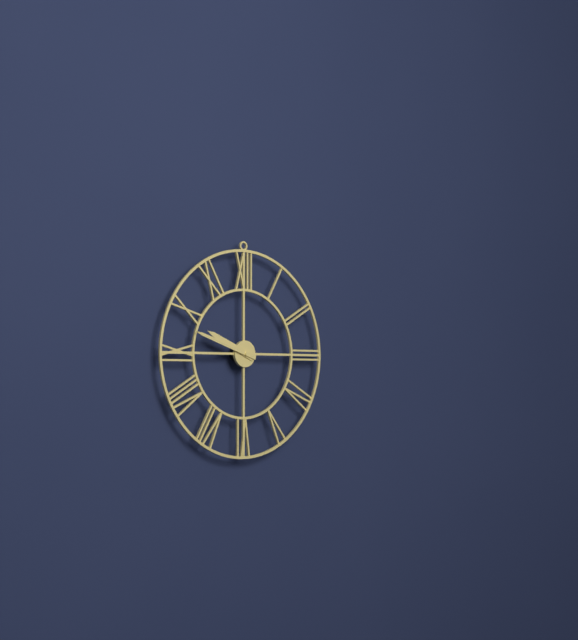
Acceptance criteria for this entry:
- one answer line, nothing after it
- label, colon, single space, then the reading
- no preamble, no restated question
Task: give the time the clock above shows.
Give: 9:48
